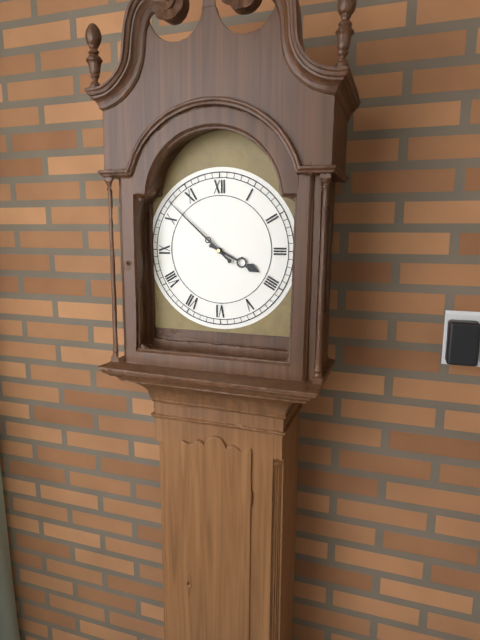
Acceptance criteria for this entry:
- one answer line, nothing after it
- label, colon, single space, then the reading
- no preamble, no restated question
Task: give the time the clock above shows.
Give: 3:52
